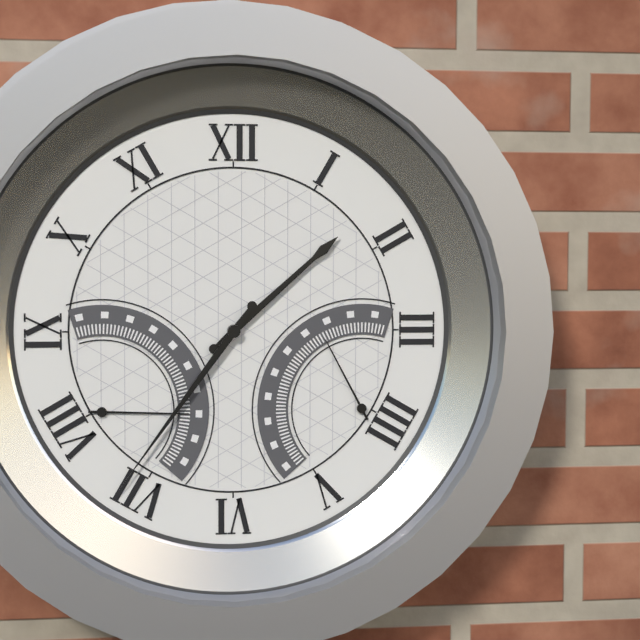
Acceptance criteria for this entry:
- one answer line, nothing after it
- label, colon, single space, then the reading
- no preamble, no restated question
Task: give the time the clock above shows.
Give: 1:36
